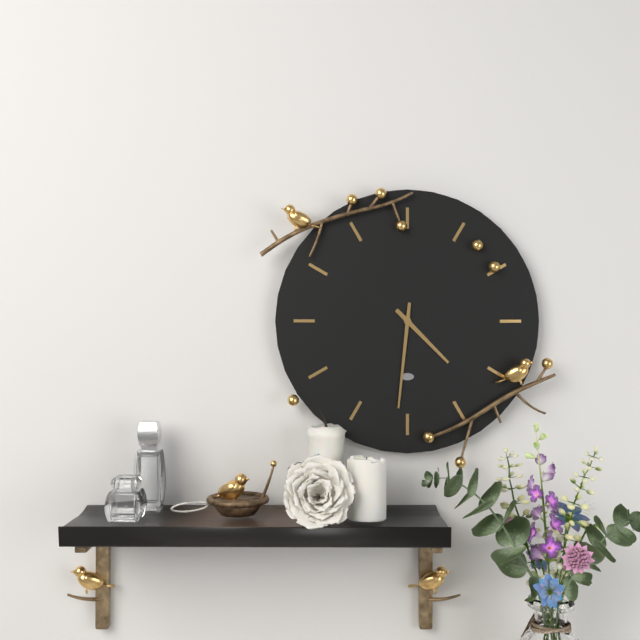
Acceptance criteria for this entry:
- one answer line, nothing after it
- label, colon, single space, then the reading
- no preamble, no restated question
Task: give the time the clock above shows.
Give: 4:31
